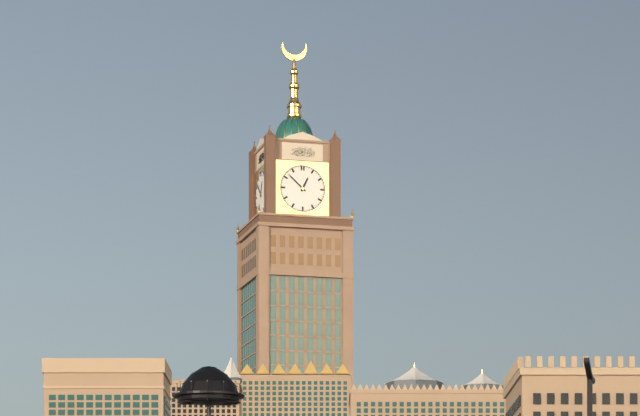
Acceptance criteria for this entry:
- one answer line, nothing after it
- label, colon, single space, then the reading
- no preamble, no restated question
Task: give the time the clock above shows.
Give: 12:52
